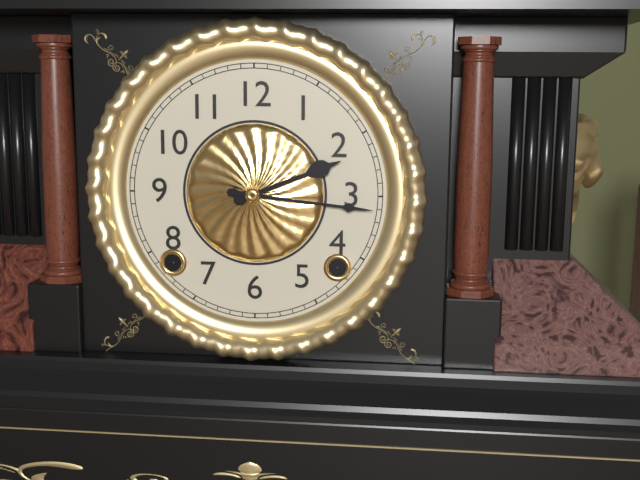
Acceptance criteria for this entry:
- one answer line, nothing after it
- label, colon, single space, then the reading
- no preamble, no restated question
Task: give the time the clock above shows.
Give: 2:16
